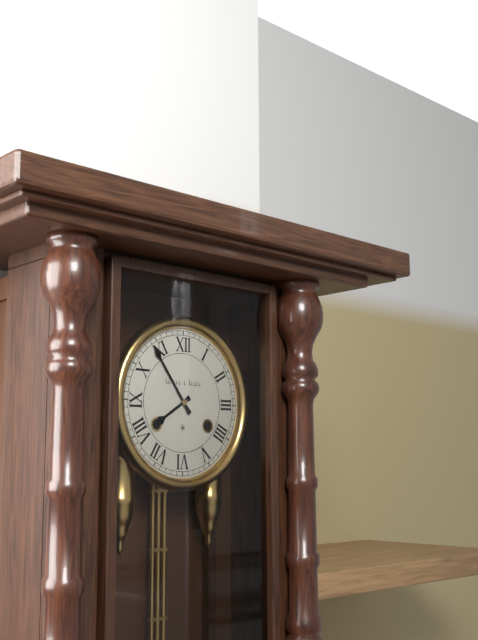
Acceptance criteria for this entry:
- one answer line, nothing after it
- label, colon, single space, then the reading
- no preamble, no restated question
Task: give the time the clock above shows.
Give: 7:54
